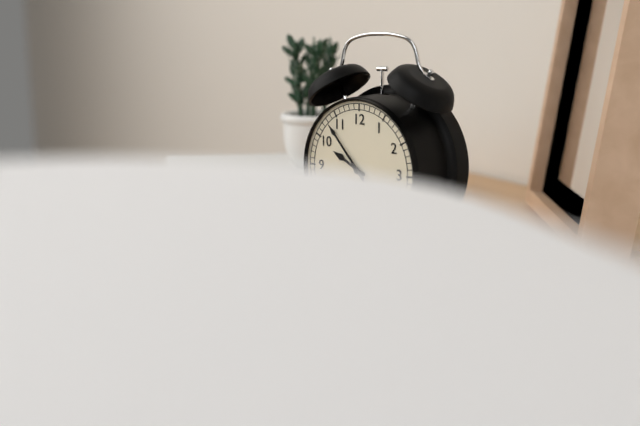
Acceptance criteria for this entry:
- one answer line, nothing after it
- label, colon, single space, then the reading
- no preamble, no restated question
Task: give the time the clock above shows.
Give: 9:53
